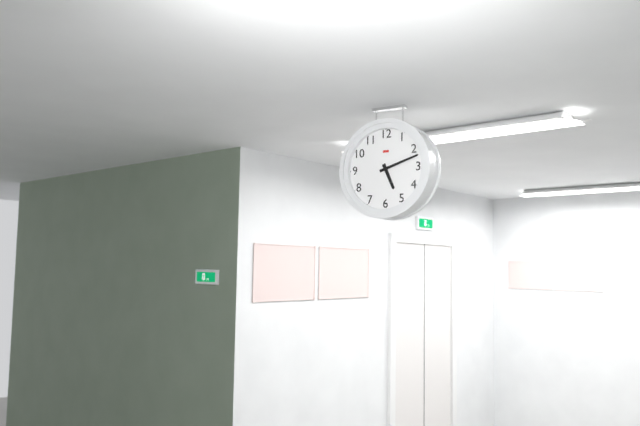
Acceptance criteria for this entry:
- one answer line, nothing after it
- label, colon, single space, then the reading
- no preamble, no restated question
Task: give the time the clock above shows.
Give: 5:12
